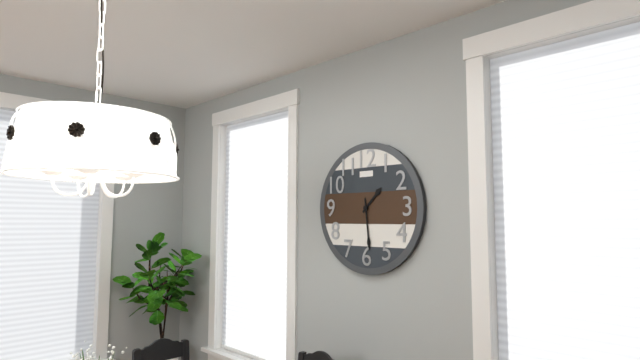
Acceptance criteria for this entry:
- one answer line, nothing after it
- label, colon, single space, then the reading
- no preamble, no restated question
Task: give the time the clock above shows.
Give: 1:29
